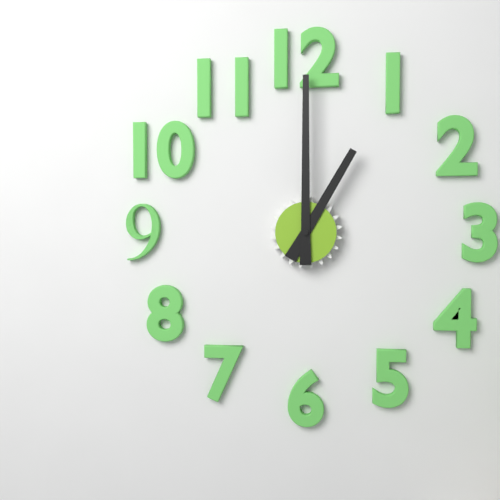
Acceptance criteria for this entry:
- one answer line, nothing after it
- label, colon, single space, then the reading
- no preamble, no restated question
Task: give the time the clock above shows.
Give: 1:00
